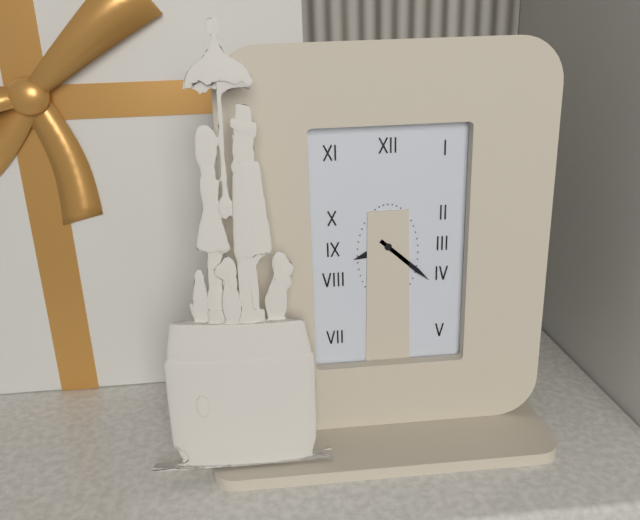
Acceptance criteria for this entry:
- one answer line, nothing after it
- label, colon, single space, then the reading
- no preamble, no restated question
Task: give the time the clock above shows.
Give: 8:22
